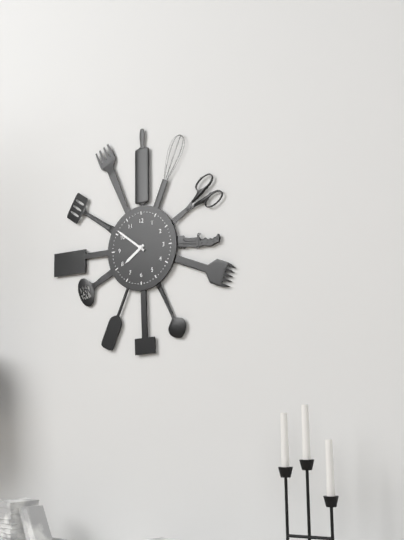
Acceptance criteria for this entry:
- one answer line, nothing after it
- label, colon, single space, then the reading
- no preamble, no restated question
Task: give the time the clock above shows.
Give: 7:51
